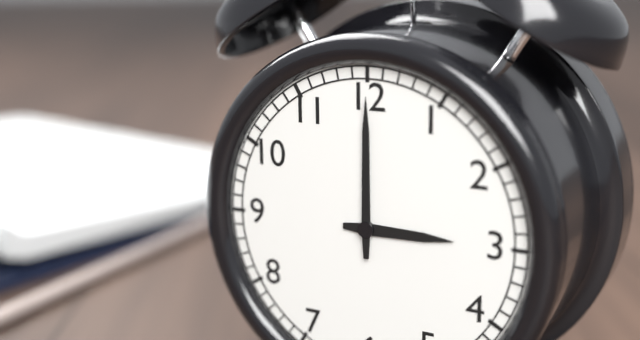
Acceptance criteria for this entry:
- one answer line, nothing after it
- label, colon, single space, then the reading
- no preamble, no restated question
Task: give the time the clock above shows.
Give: 3:00
